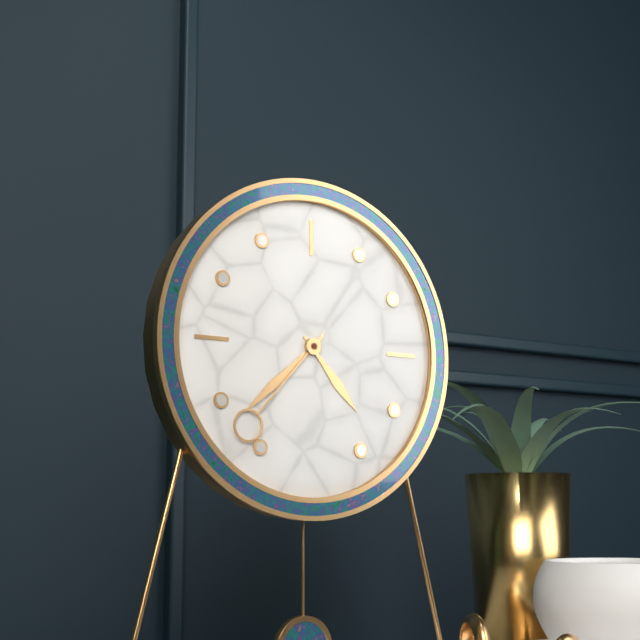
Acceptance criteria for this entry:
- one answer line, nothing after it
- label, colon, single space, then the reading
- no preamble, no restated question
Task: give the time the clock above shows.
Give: 4:38:37
